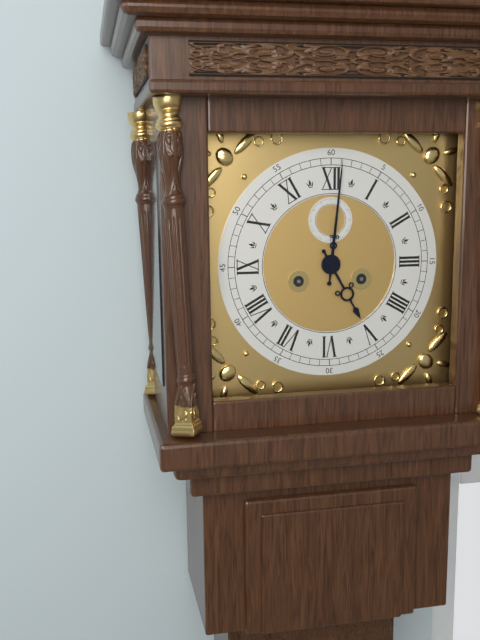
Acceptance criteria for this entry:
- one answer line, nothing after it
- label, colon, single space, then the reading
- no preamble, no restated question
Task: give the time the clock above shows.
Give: 5:01
